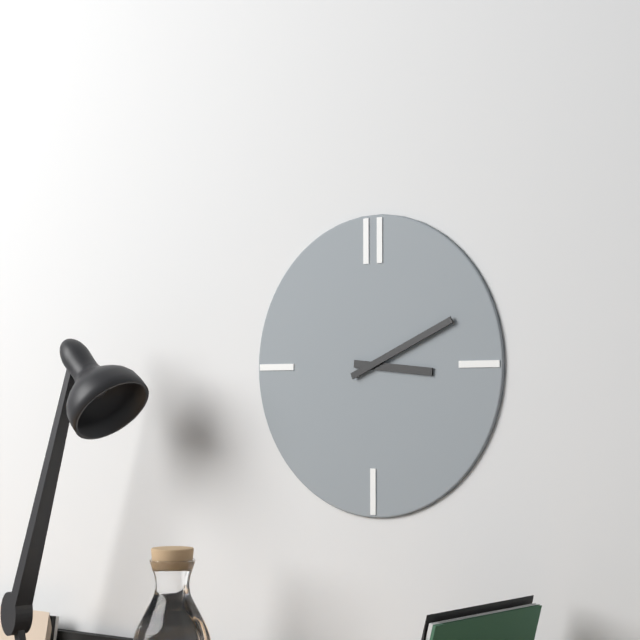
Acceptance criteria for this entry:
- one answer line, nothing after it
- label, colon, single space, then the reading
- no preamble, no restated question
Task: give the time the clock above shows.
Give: 3:11
